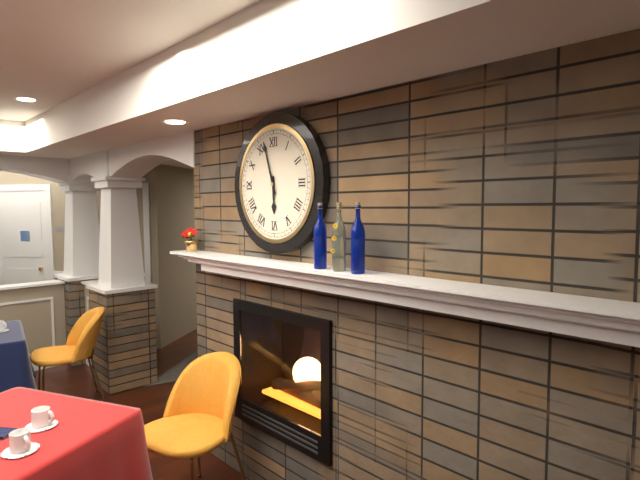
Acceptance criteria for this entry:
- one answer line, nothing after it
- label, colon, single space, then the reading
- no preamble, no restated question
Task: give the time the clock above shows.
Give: 5:57
